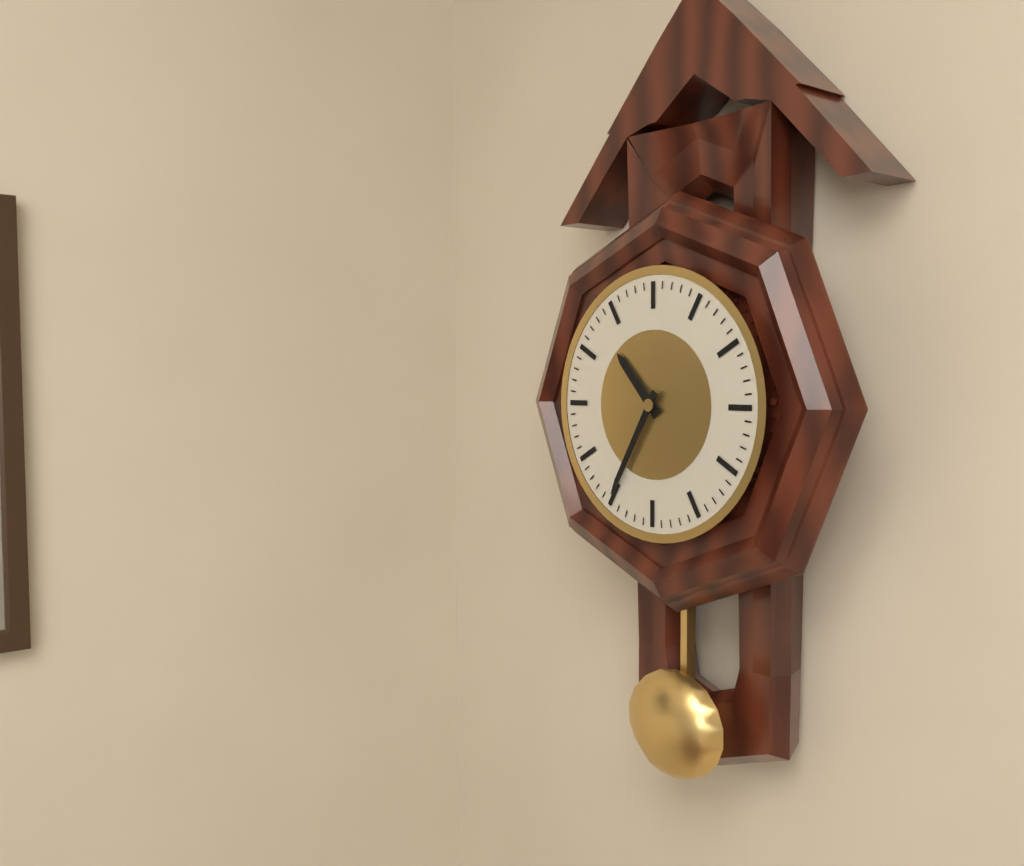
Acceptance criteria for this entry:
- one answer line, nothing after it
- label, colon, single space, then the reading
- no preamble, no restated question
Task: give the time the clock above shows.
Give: 10:35
